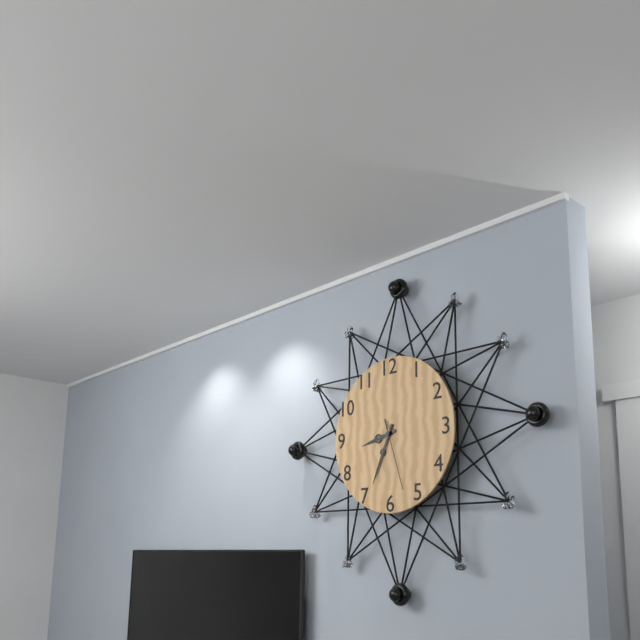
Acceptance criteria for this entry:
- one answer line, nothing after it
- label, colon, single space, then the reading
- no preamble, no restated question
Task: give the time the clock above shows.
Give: 8:34:27
